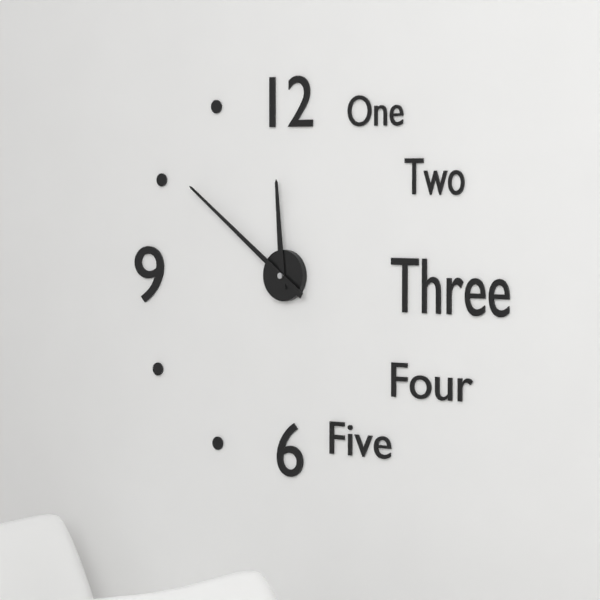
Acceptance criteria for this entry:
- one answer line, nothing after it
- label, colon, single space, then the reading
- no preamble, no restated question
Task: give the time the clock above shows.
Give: 11:51
